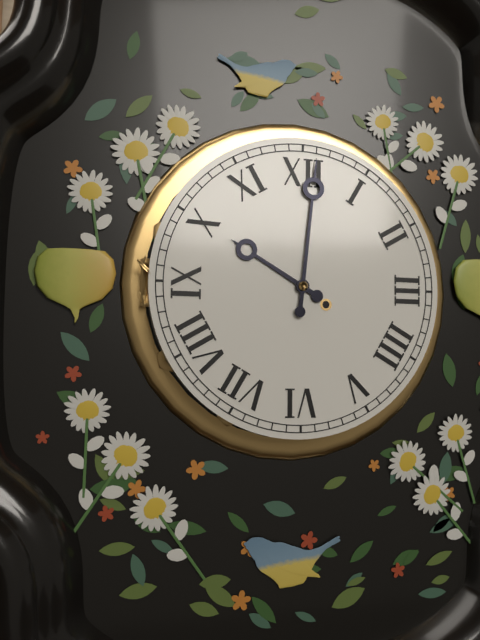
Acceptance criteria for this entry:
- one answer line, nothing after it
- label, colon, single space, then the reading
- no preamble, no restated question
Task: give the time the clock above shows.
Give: 10:01
